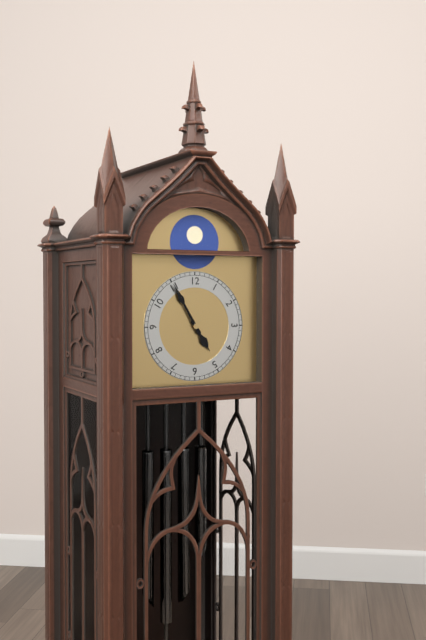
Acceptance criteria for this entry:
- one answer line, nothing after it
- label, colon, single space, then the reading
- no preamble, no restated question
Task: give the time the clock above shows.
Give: 4:55
